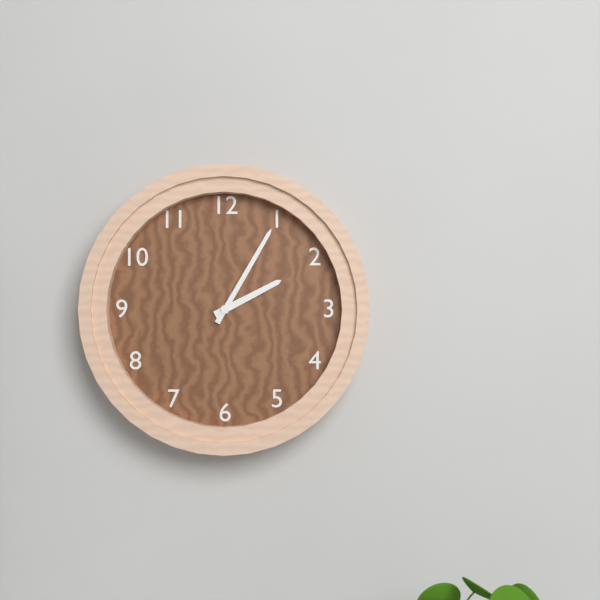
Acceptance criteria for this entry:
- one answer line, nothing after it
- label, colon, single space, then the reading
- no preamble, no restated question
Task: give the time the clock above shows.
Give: 2:05
